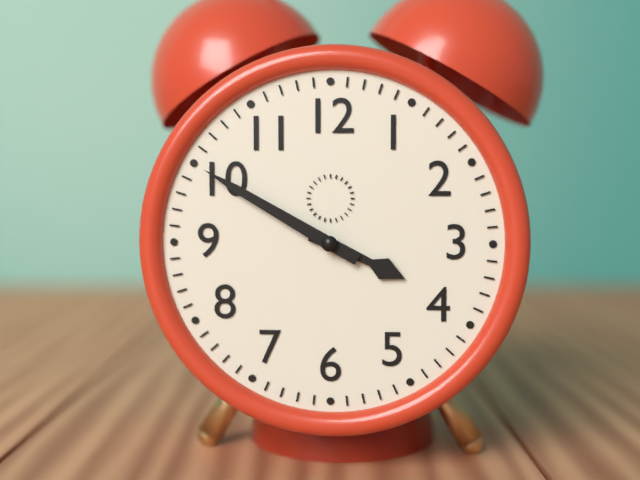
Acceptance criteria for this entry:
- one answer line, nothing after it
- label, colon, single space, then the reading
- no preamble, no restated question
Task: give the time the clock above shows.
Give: 3:50
